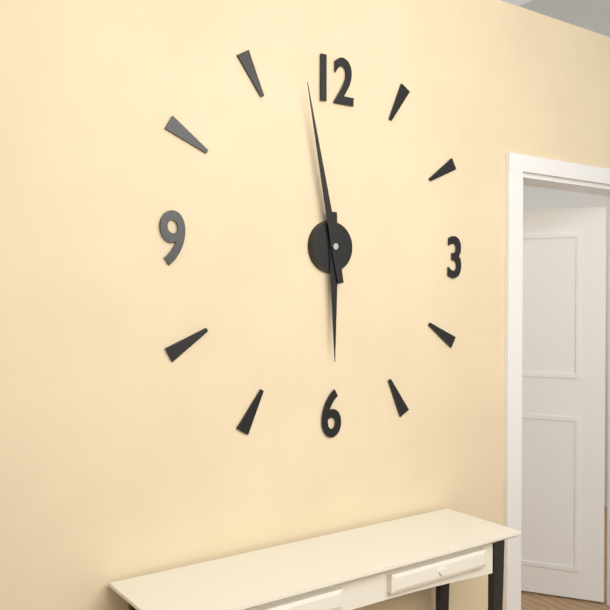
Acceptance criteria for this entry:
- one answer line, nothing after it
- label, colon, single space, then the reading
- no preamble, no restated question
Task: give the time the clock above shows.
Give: 5:58
